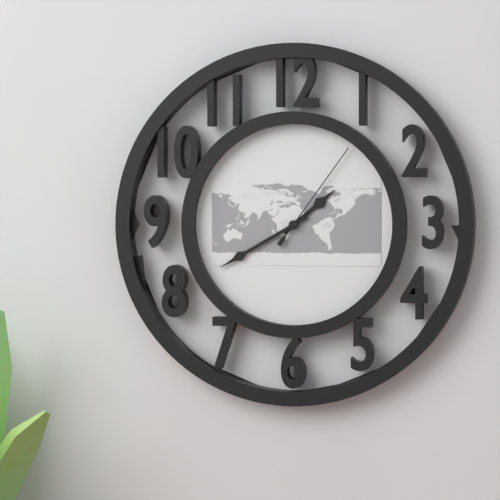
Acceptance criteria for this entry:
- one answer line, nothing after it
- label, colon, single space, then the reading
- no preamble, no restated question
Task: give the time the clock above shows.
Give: 1:40:06
